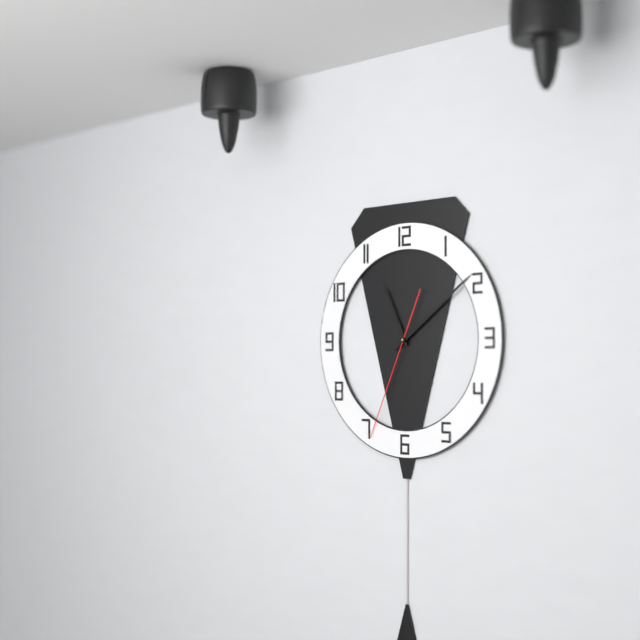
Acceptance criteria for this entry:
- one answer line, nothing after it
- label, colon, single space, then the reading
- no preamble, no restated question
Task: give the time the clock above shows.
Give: 11:09:34
